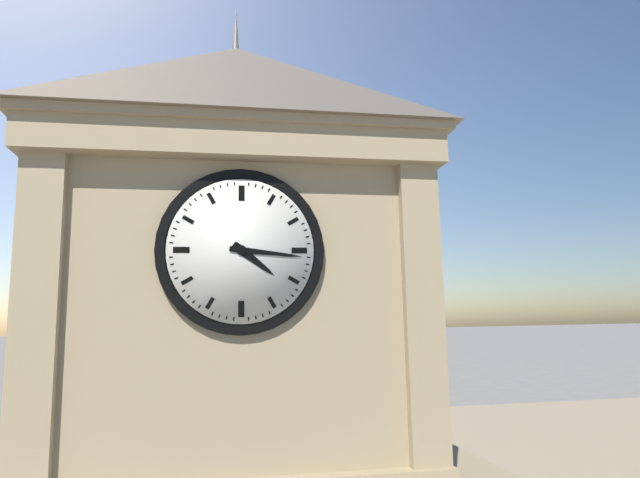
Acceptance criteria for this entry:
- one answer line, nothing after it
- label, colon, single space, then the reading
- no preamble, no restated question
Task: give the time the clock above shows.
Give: 4:16
